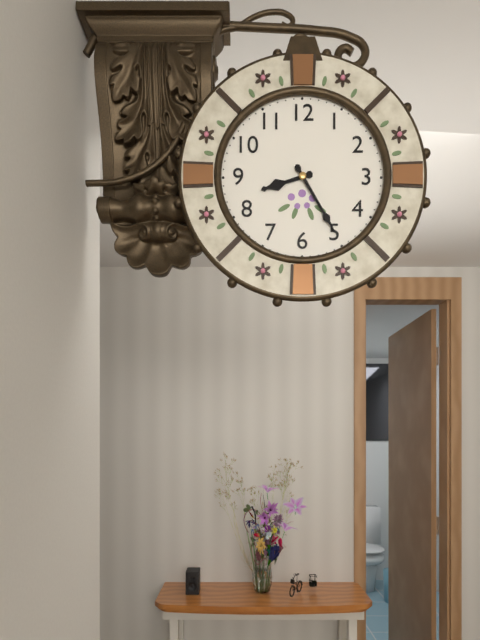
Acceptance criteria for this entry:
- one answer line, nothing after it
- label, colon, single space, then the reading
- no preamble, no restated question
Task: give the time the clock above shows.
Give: 8:25
